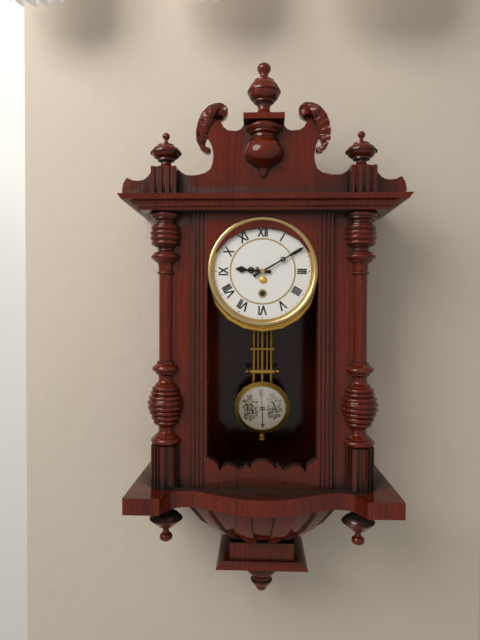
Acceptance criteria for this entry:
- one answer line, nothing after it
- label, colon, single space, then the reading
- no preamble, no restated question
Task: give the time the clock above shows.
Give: 9:10
